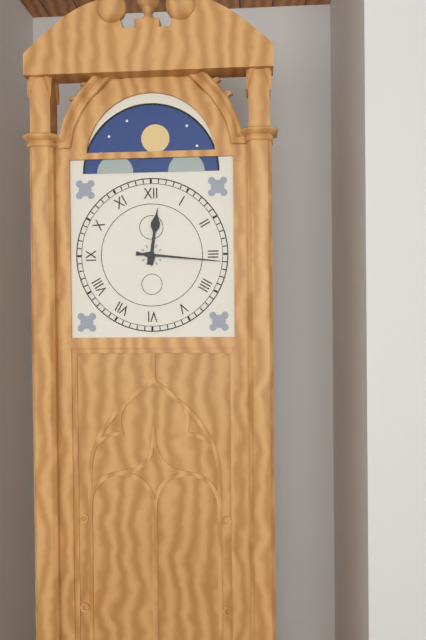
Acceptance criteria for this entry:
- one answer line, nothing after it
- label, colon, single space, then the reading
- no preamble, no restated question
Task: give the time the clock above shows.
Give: 12:16
